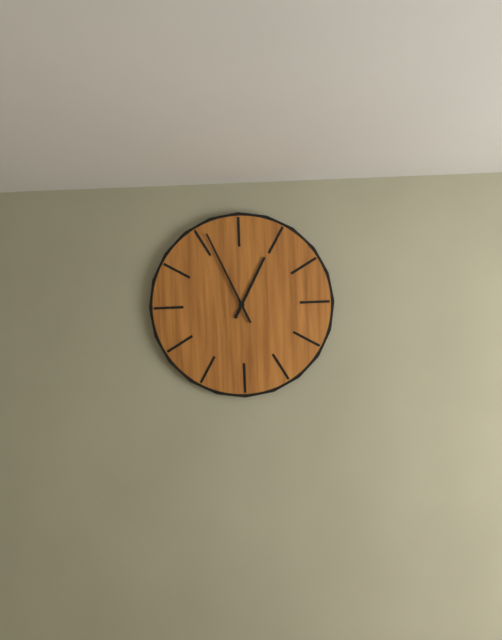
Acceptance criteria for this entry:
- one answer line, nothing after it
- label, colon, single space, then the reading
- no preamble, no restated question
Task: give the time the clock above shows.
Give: 12:56
